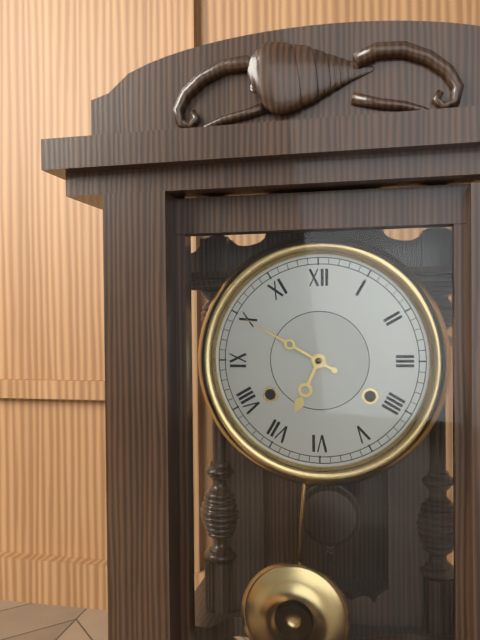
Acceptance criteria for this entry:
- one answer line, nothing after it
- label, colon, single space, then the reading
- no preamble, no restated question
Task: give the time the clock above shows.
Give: 6:50
